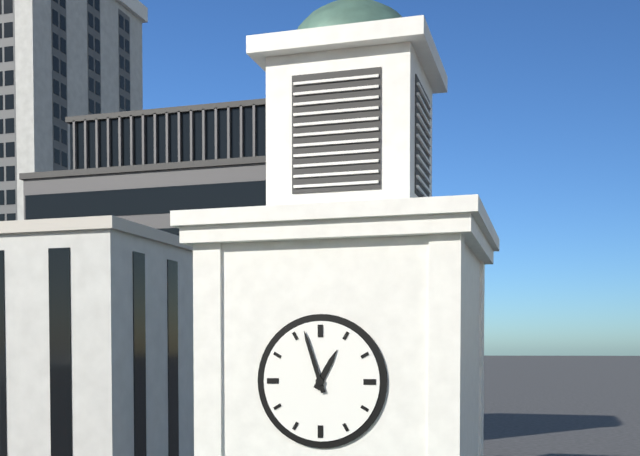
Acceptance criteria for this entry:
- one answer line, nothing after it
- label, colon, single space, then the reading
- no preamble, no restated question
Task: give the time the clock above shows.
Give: 12:57
